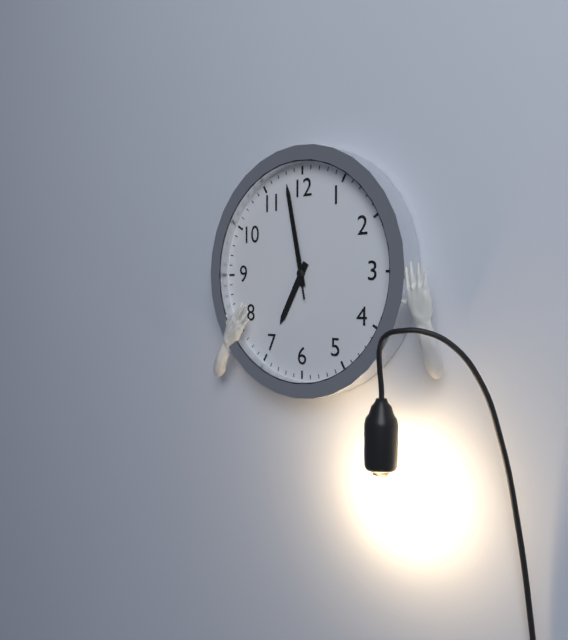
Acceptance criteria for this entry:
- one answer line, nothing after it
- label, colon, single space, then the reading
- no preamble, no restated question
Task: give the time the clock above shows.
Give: 6:58:58
